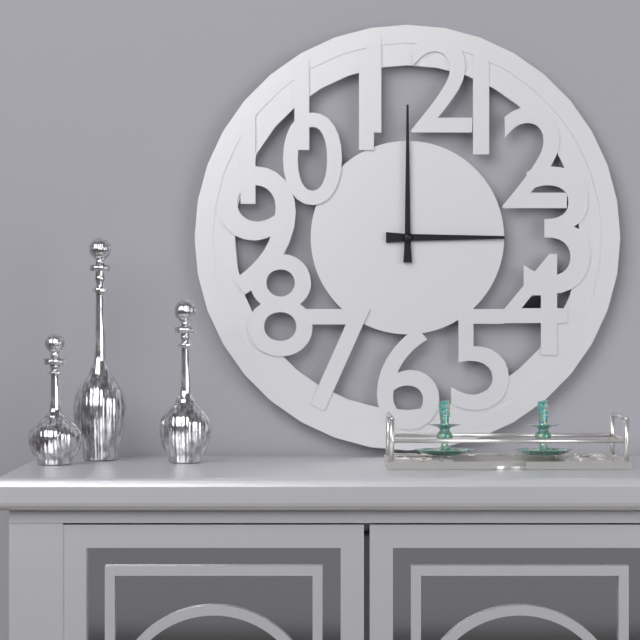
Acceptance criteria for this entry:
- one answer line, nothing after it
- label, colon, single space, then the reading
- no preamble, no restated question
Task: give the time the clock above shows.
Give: 3:00
